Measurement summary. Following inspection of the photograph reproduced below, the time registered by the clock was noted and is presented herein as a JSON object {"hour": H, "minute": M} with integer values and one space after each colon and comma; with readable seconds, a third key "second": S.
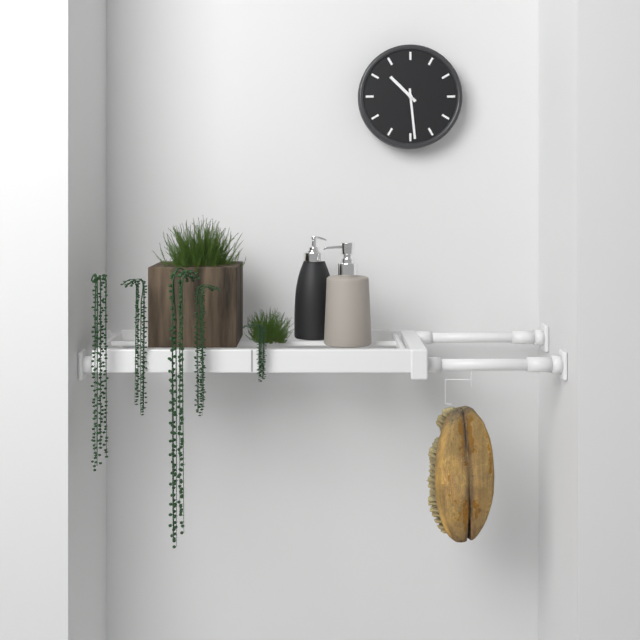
{"hour": 10, "minute": 29}
